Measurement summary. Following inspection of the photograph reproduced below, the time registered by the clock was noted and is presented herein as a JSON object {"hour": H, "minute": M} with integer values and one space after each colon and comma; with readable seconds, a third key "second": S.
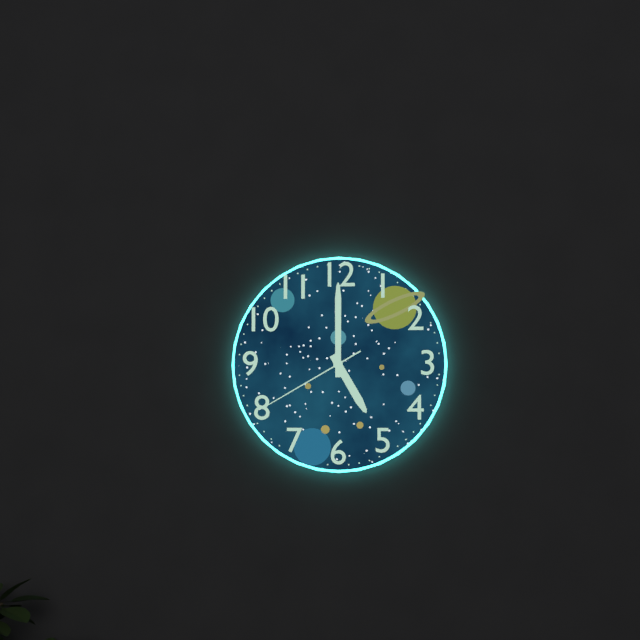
{"hour": 5, "minute": 0, "second": 40}
